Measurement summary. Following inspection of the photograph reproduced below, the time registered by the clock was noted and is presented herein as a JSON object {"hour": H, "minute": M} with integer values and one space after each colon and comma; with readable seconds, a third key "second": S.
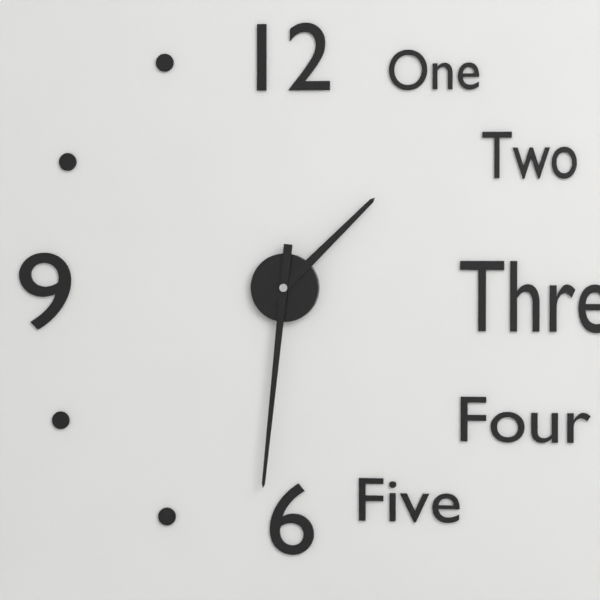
{"hour": 1, "minute": 31}
